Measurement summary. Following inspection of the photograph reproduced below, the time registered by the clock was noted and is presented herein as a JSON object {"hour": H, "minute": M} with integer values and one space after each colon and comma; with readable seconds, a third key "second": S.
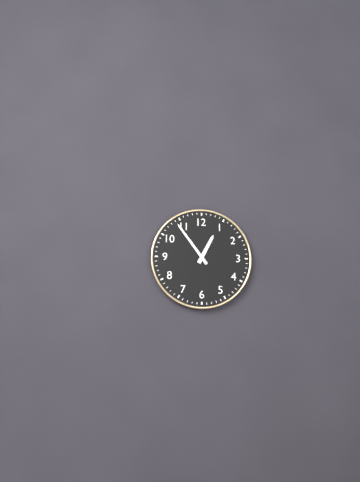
{"hour": 12, "minute": 54}
